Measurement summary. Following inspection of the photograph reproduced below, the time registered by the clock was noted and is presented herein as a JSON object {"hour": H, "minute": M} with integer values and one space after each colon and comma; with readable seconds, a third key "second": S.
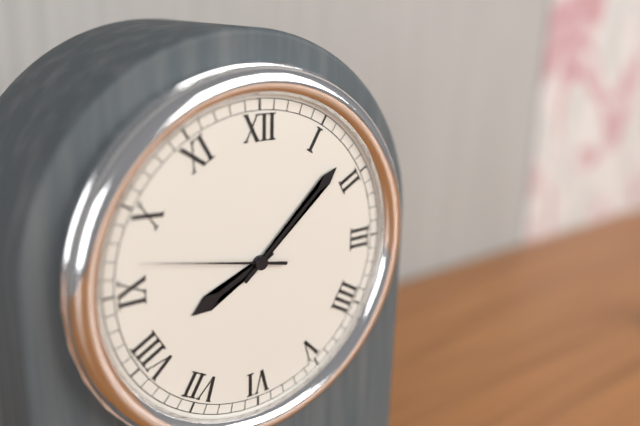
{"hour": 8, "minute": 8, "second": 47}
